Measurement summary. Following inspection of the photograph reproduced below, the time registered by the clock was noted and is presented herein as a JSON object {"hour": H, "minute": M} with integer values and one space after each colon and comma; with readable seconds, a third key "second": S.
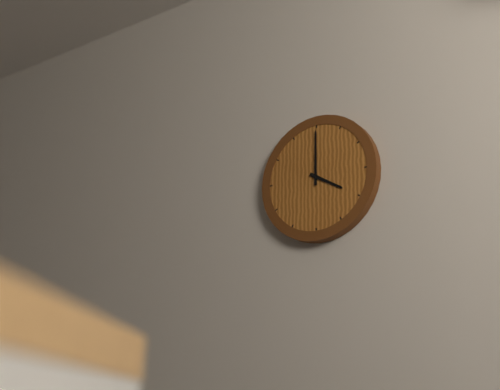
{"hour": 4, "minute": 0}
